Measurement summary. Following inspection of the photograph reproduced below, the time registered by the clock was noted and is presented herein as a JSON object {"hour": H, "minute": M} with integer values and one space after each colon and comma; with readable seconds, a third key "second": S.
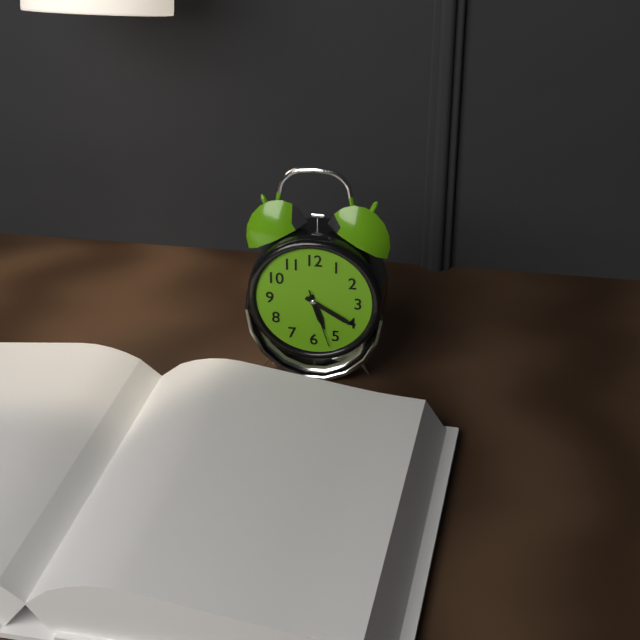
{"hour": 5, "minute": 20, "second": 27}
